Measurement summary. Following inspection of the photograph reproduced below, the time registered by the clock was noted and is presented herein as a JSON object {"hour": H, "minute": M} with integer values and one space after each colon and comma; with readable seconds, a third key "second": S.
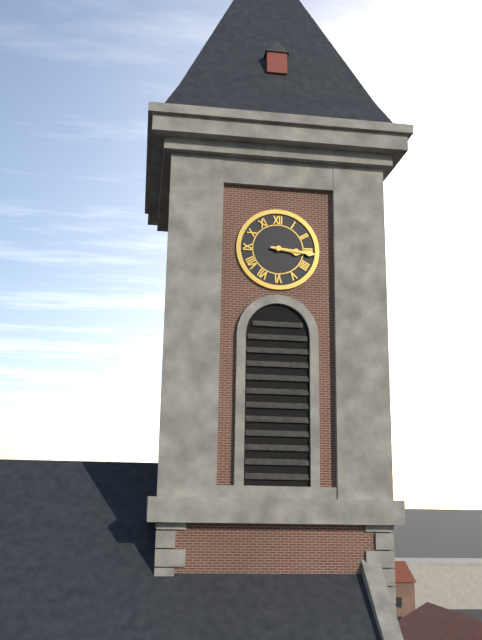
{"hour": 3, "minute": 16}
